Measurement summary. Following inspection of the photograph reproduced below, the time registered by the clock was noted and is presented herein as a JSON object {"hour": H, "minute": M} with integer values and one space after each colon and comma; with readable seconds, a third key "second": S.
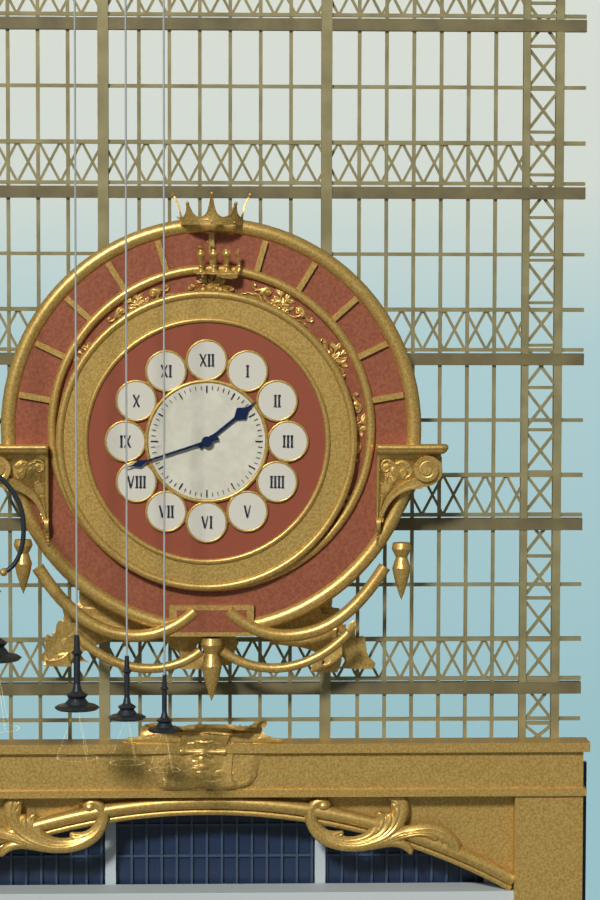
{"hour": 1, "minute": 42}
